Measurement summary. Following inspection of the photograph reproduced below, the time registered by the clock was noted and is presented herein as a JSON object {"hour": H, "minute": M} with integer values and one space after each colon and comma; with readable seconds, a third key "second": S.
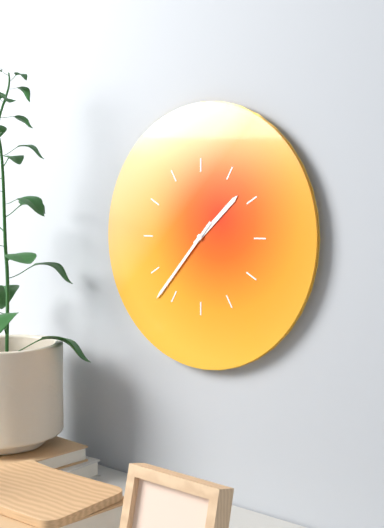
{"hour": 1, "minute": 37}
